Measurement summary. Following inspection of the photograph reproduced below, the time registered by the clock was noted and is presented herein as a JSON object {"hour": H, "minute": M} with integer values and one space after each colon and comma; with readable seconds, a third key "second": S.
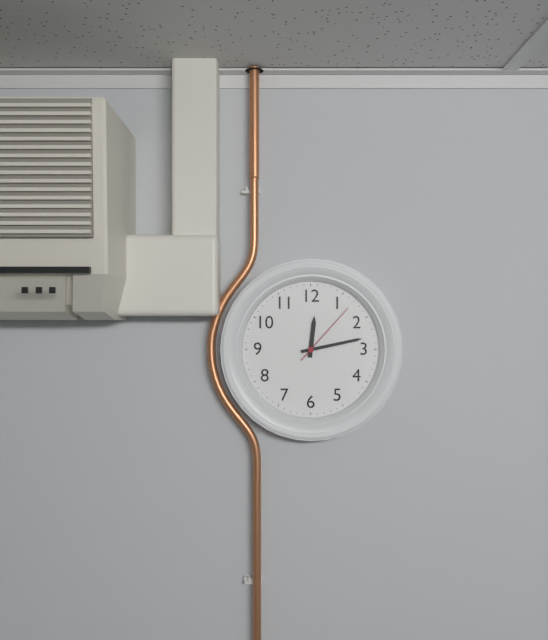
{"hour": 12, "minute": 13, "second": 7}
